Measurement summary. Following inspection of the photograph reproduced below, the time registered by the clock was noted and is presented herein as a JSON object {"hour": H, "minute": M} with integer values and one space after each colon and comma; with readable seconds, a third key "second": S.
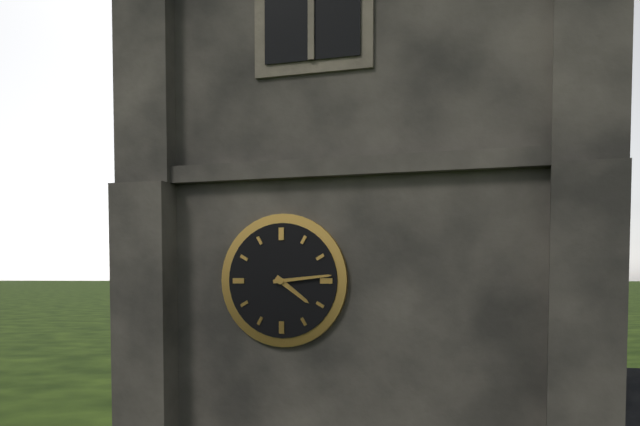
{"hour": 4, "minute": 14}
